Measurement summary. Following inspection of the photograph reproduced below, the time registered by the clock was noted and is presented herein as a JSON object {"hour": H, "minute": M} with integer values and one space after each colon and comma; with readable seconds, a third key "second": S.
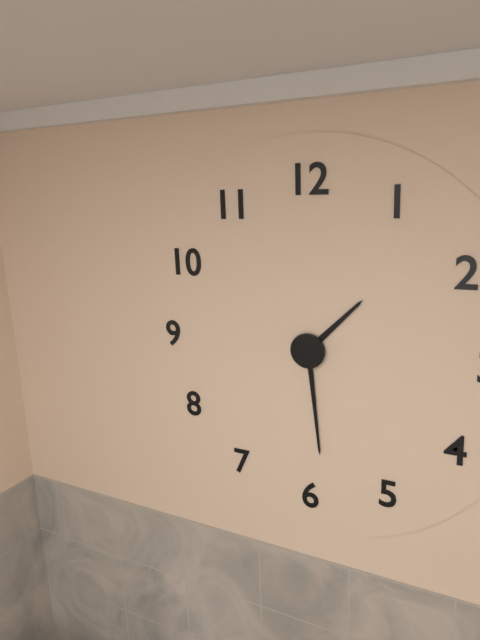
{"hour": 1, "minute": 29}
